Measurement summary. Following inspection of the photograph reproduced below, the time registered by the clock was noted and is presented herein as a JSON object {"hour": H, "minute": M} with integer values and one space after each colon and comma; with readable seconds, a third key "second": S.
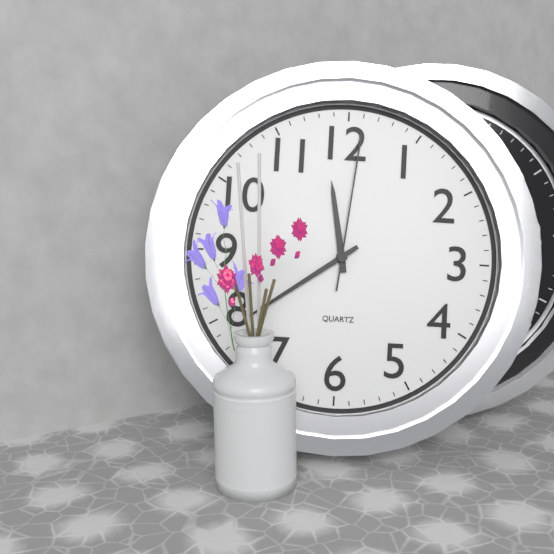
{"hour": 11, "minute": 39, "second": 1}
